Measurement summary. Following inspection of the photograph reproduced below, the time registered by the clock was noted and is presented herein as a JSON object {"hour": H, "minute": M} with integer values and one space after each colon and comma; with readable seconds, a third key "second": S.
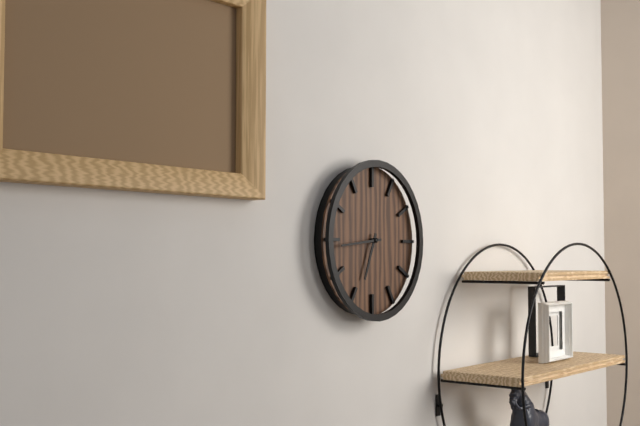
{"hour": 6, "minute": 44}
